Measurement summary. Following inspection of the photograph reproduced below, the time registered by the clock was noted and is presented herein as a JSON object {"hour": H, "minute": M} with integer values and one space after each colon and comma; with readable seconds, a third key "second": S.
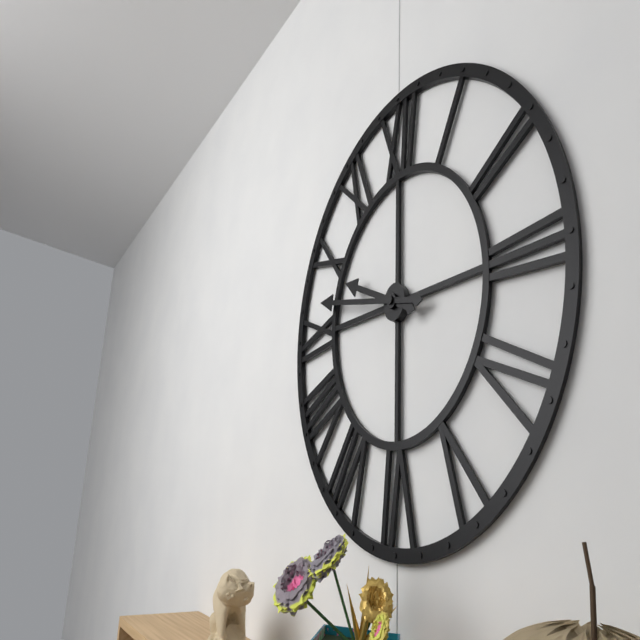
{"hour": 9, "minute": 47}
